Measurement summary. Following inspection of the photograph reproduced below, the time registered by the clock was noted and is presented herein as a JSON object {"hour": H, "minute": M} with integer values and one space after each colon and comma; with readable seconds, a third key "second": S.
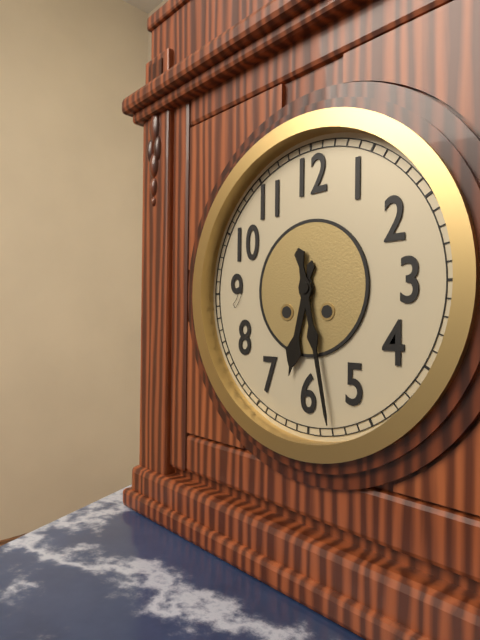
{"hour": 6, "minute": 28}
